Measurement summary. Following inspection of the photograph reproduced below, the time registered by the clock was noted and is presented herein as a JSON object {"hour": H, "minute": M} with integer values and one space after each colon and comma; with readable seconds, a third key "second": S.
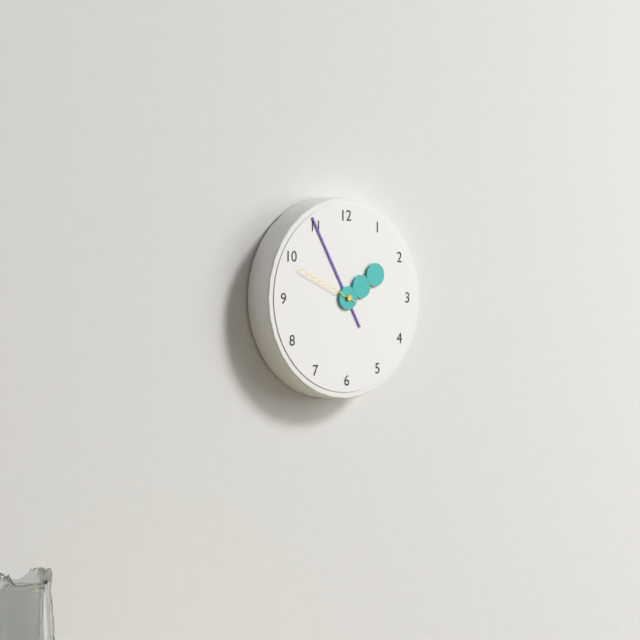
{"hour": 1, "minute": 55, "second": 49}
